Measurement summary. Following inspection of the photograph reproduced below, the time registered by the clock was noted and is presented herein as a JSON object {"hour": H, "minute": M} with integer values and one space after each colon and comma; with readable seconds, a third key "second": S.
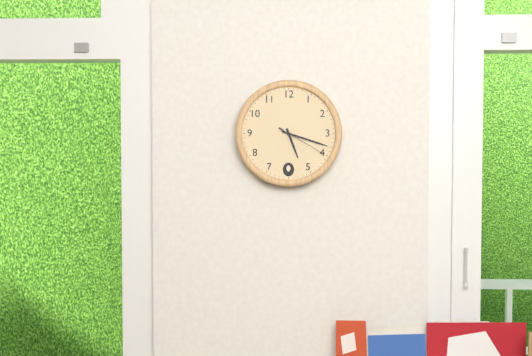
{"hour": 5, "minute": 18, "second": 20}
